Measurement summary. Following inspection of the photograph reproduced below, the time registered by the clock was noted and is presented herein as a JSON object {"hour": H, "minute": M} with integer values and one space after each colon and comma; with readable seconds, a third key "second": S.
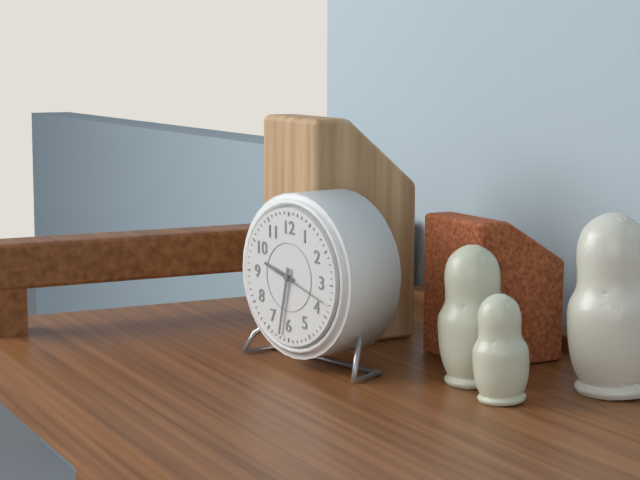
{"hour": 9, "minute": 32, "second": 18}
